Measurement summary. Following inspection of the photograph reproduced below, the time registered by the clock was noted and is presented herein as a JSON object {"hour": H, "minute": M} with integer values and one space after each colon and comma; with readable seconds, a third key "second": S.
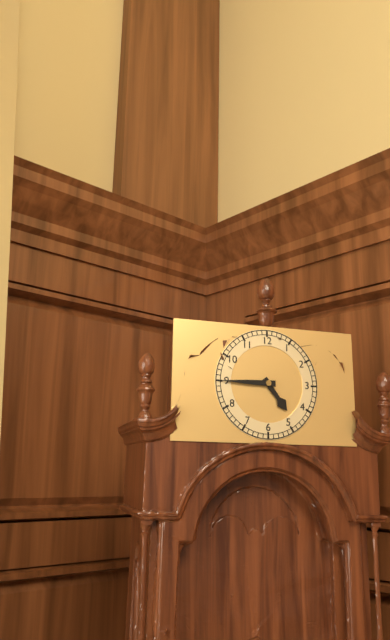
{"hour": 4, "minute": 45}
